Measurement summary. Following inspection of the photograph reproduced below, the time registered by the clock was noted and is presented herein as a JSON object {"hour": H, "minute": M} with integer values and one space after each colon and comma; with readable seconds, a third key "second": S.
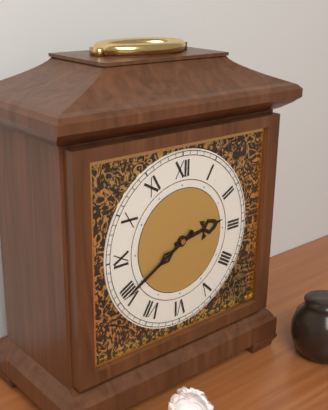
{"hour": 2, "minute": 40}
